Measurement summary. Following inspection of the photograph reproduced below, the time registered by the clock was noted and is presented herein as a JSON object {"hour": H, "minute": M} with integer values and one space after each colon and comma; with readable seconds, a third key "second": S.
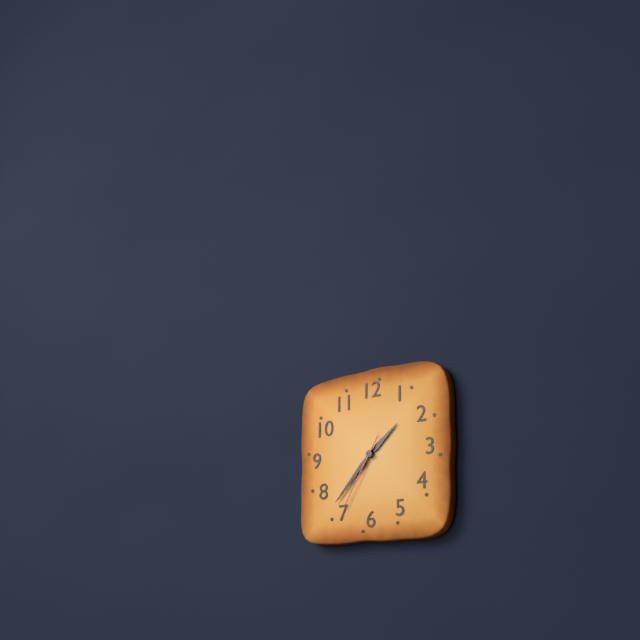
{"hour": 1, "minute": 37, "second": 35}
